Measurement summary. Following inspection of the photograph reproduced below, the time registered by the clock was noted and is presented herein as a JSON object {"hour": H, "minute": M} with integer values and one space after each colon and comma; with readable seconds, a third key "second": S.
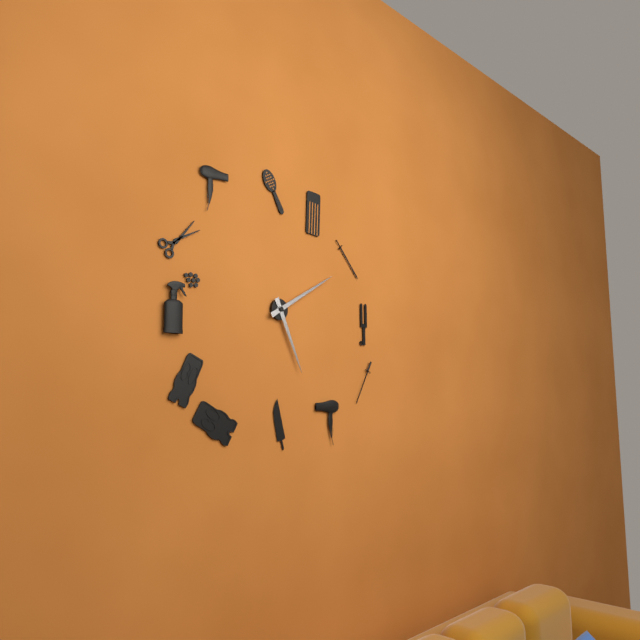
{"hour": 5, "minute": 10}
